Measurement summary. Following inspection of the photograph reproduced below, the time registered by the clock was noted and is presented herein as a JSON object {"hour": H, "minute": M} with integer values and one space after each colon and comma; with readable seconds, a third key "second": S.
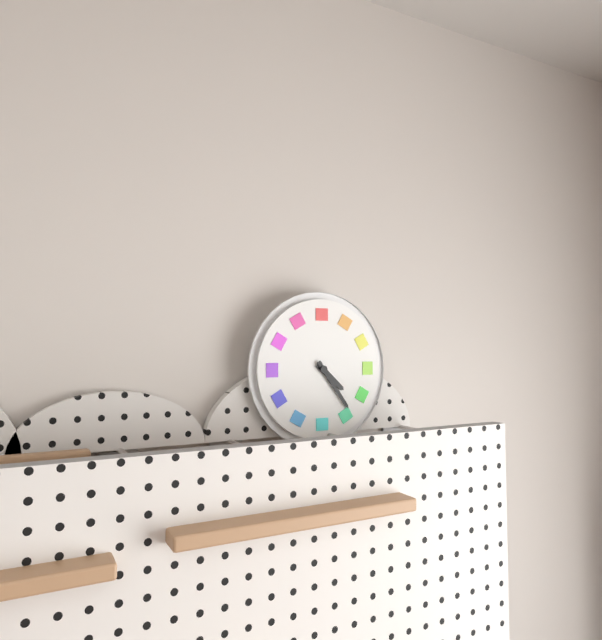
{"hour": 4, "minute": 24}
